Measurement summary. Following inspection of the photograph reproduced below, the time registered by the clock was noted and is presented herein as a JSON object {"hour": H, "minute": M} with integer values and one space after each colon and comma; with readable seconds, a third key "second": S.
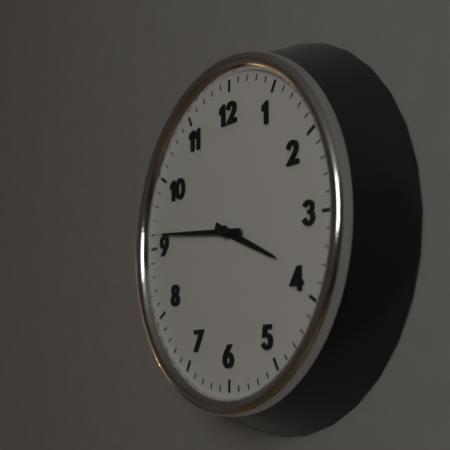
{"hour": 3, "minute": 46}
